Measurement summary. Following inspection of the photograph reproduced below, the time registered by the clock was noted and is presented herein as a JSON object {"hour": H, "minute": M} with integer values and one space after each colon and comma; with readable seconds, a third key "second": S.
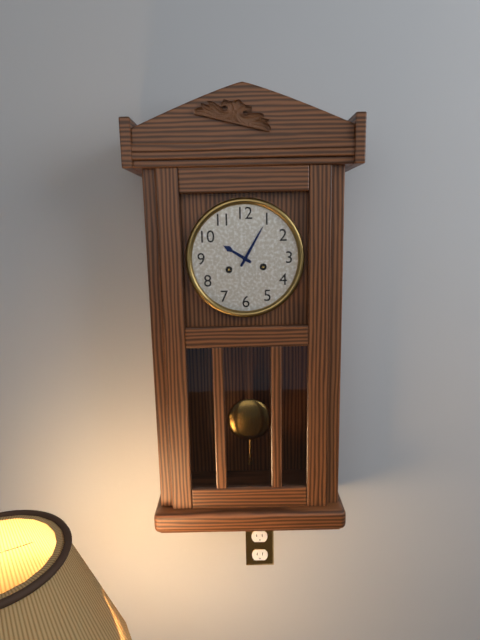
{"hour": 10, "minute": 5}
